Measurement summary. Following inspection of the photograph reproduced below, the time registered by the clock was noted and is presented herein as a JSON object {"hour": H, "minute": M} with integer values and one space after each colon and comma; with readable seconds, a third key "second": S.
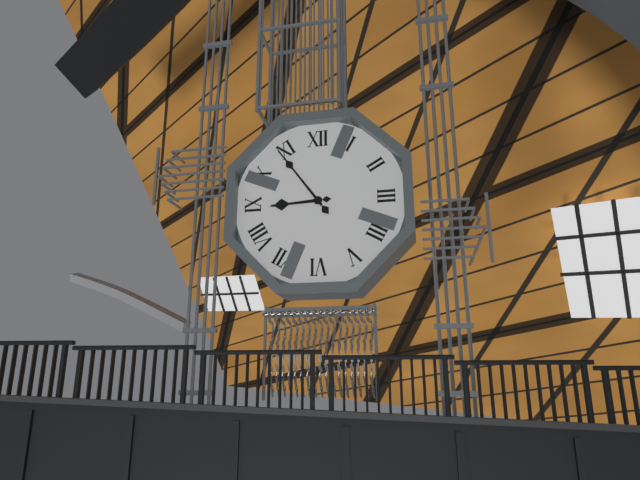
{"hour": 8, "minute": 54}
